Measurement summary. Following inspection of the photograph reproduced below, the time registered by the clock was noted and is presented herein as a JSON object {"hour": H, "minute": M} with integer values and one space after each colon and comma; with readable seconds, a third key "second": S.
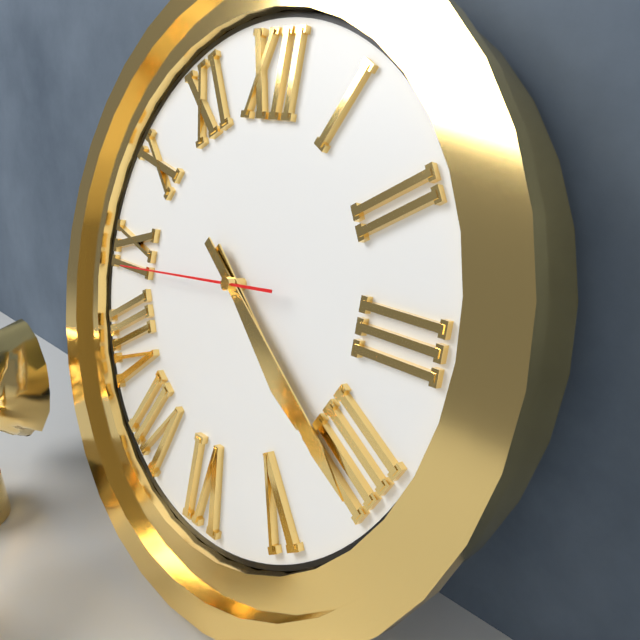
{"hour": 4, "minute": 21, "second": 44}
